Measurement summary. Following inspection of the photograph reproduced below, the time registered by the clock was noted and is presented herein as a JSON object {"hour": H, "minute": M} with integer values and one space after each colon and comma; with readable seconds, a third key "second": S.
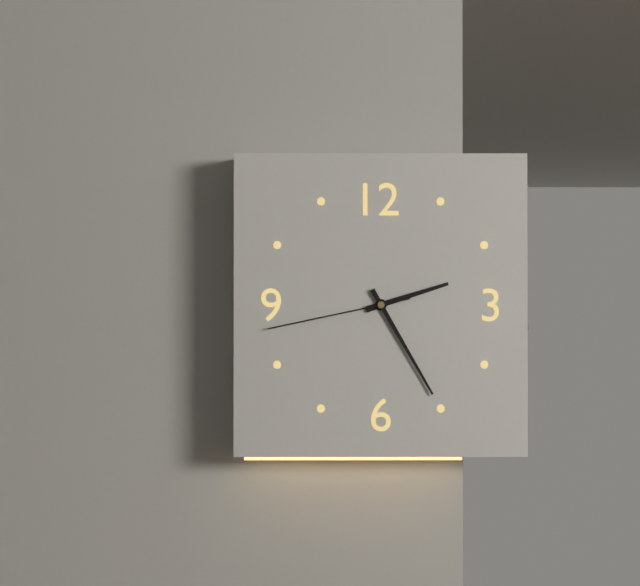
{"hour": 2, "minute": 25, "second": 43}
